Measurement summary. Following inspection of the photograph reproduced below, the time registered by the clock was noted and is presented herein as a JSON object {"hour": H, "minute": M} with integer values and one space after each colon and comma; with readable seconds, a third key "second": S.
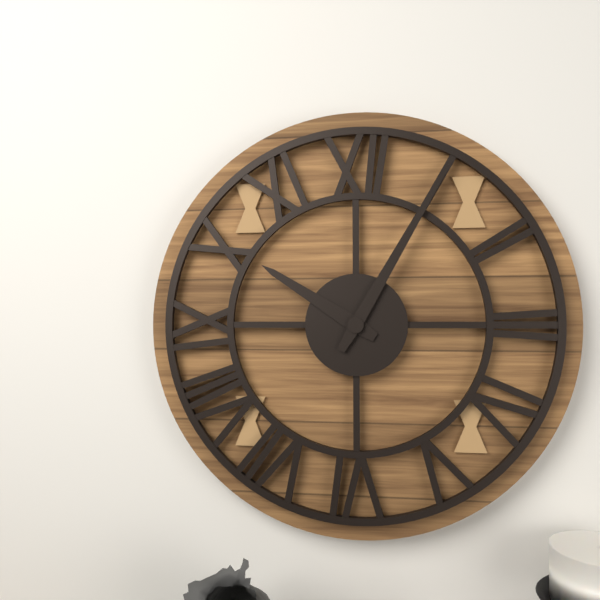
{"hour": 10, "minute": 5}
